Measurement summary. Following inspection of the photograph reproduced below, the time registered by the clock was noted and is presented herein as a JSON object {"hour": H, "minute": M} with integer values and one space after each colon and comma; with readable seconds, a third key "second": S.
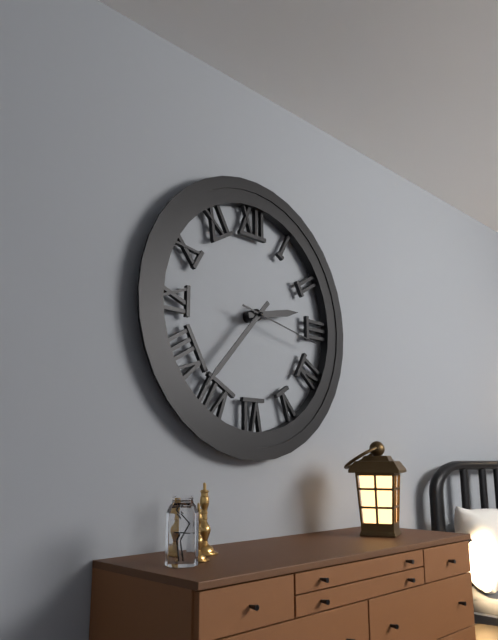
{"hour": 2, "minute": 37, "second": 17}
